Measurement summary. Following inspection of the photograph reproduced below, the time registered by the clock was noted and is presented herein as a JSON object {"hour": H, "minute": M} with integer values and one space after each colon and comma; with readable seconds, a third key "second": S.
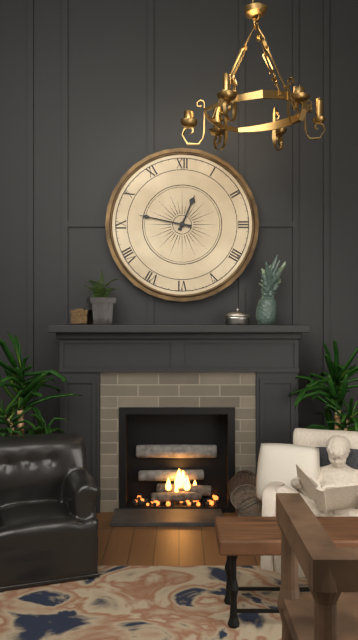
{"hour": 12, "minute": 47}
